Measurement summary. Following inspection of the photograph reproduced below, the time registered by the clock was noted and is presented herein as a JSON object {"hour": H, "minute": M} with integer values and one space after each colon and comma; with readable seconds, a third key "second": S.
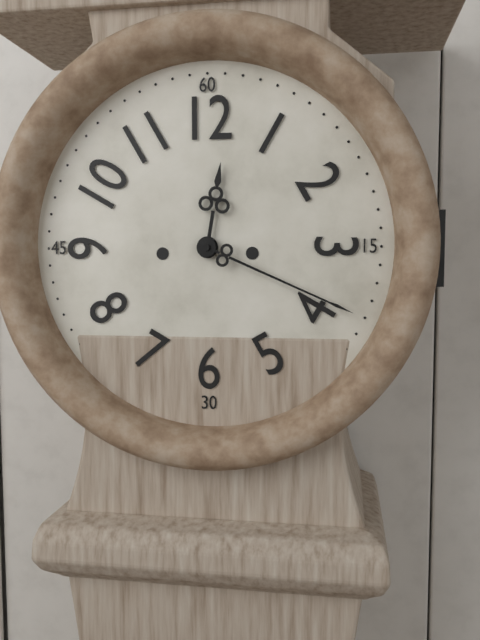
{"hour": 12, "minute": 19}
